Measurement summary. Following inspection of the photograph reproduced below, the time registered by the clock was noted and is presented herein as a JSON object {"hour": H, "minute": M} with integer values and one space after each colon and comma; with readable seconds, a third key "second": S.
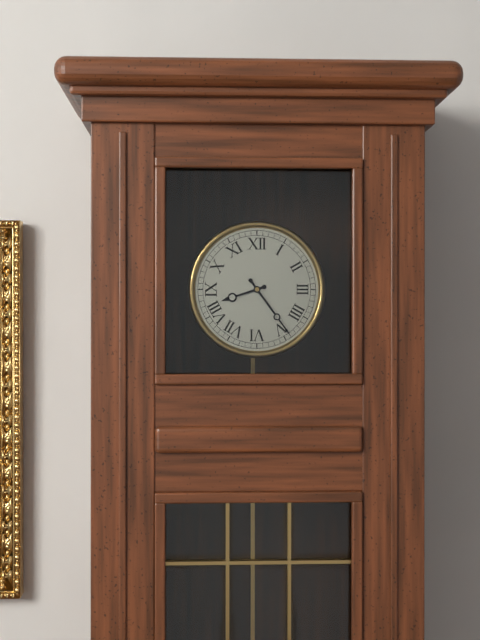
{"hour": 8, "minute": 24}
